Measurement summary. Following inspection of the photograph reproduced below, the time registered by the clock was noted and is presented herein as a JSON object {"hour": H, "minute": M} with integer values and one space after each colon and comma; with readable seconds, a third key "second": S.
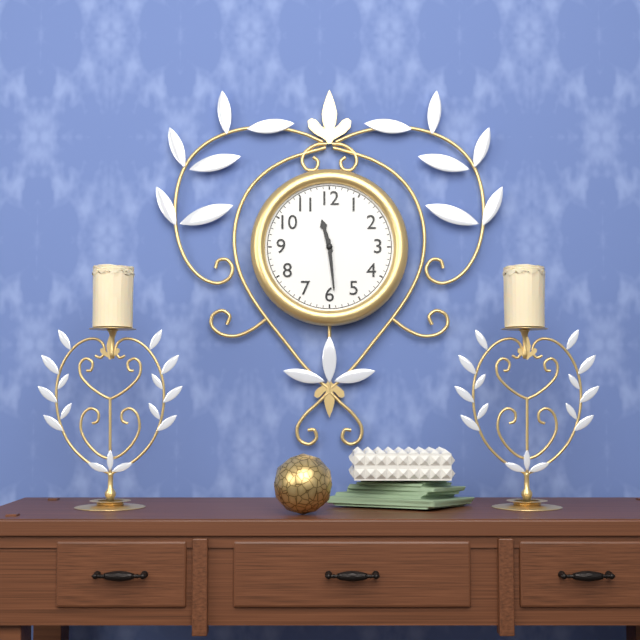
{"hour": 11, "minute": 29}
